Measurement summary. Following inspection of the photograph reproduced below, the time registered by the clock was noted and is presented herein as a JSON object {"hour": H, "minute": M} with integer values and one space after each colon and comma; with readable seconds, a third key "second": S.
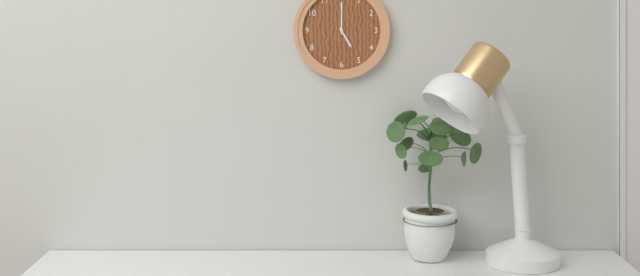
{"hour": 5, "minute": 0}
